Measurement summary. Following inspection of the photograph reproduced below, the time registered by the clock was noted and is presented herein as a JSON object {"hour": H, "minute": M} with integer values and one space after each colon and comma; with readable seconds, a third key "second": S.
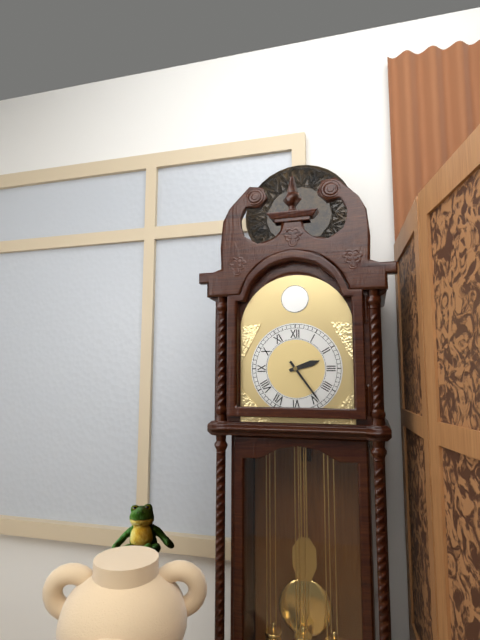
{"hour": 2, "minute": 24}
